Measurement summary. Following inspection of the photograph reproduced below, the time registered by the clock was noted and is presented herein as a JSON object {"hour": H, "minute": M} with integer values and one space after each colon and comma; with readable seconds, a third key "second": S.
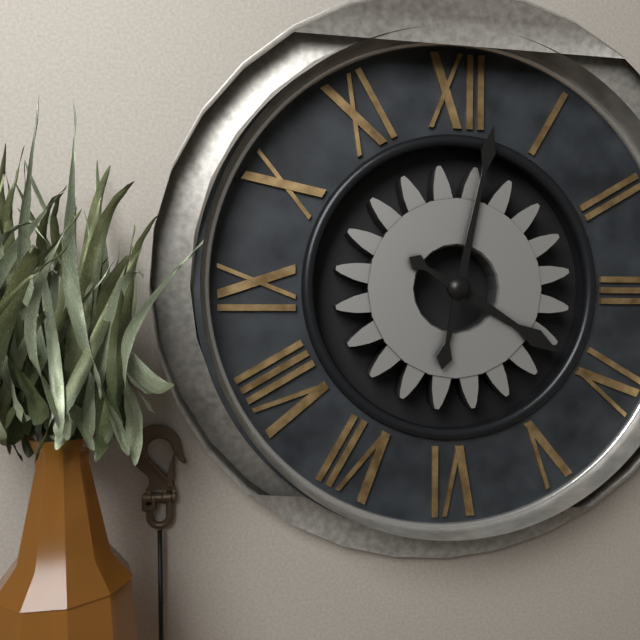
{"hour": 4, "minute": 2}
